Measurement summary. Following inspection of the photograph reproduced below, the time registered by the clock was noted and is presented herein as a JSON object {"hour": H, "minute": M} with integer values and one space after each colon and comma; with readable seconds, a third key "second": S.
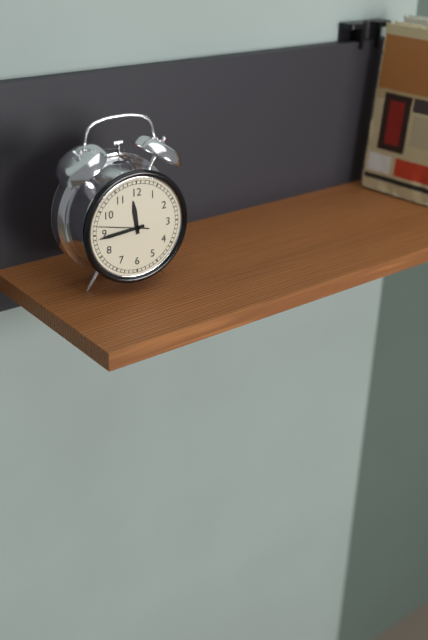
{"hour": 11, "minute": 44, "second": 47}
